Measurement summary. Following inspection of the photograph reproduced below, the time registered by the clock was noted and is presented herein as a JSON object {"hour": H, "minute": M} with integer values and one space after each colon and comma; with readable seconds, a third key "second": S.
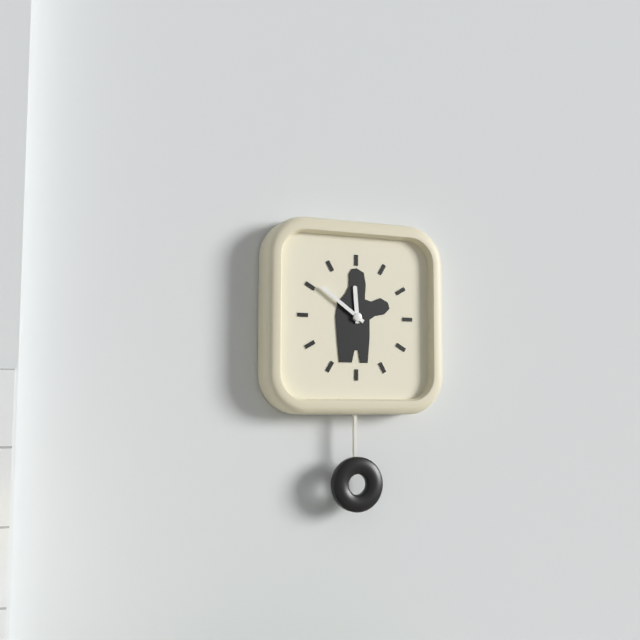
{"hour": 11, "minute": 51}
